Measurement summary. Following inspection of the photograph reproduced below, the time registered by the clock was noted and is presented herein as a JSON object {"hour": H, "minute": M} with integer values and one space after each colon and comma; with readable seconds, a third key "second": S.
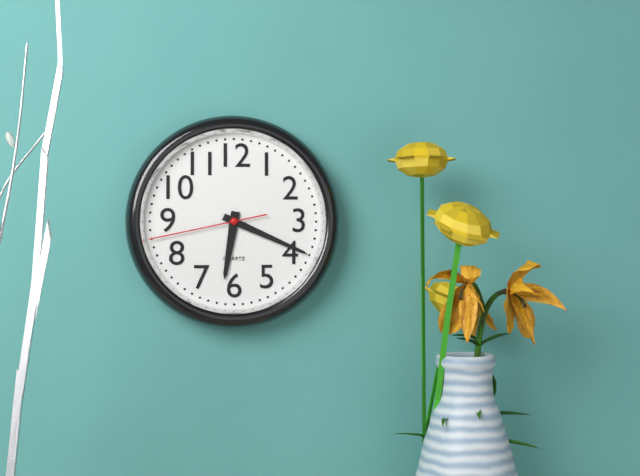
{"hour": 6, "minute": 19, "second": 43}
